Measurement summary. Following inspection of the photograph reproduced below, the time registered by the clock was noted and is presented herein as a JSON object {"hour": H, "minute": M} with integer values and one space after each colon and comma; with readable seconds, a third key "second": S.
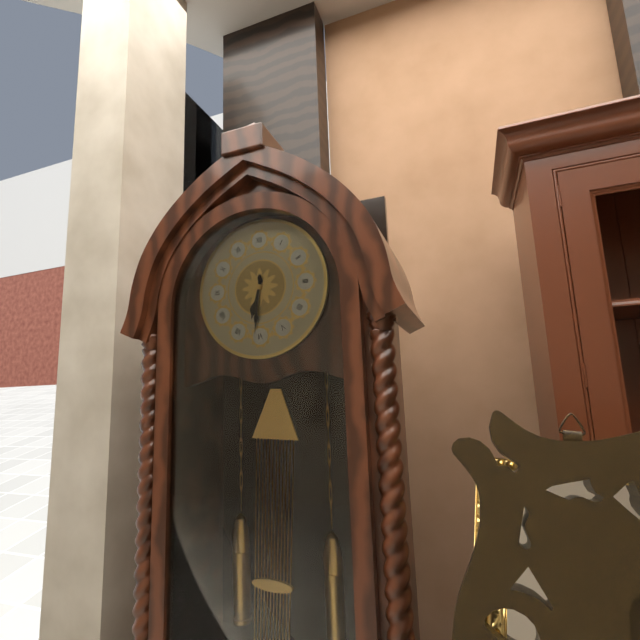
{"hour": 6, "minute": 31}
